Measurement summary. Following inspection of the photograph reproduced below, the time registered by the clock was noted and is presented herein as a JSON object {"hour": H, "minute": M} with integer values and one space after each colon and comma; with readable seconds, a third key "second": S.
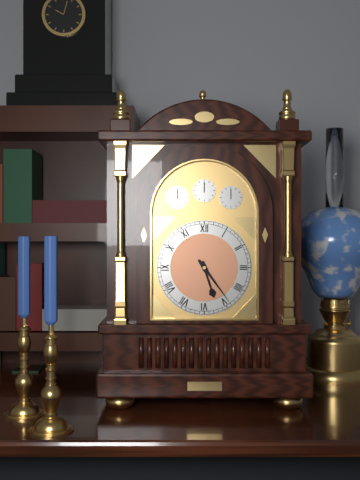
{"hour": 5, "minute": 24}
